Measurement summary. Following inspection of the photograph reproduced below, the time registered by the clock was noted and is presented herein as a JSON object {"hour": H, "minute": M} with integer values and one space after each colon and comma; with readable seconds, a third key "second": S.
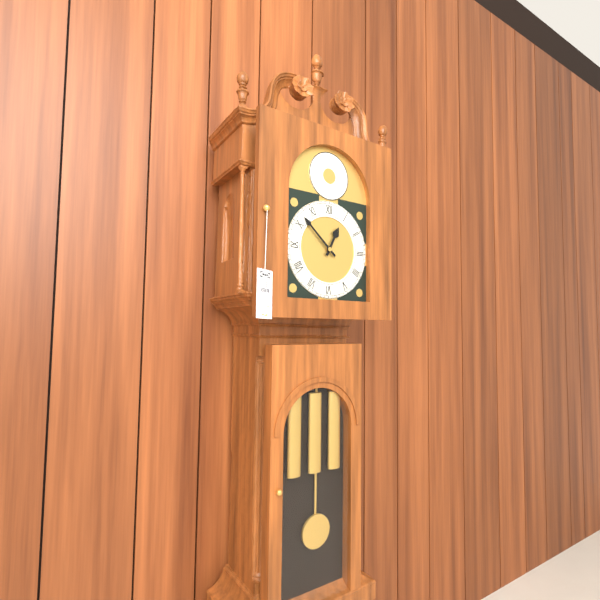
{"hour": 12, "minute": 52}
